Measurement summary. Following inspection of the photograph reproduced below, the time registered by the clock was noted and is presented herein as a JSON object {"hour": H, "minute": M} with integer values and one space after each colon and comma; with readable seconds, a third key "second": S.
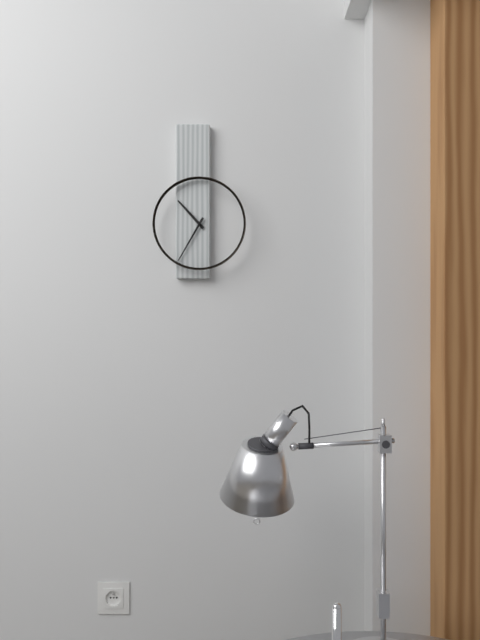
{"hour": 10, "minute": 35}
